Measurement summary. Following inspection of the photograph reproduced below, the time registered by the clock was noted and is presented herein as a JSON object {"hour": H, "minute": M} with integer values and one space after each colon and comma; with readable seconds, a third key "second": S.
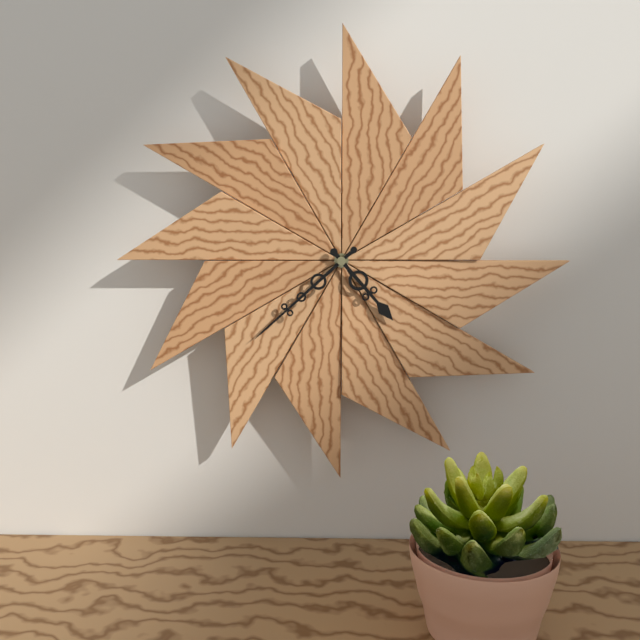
{"hour": 4, "minute": 38}
